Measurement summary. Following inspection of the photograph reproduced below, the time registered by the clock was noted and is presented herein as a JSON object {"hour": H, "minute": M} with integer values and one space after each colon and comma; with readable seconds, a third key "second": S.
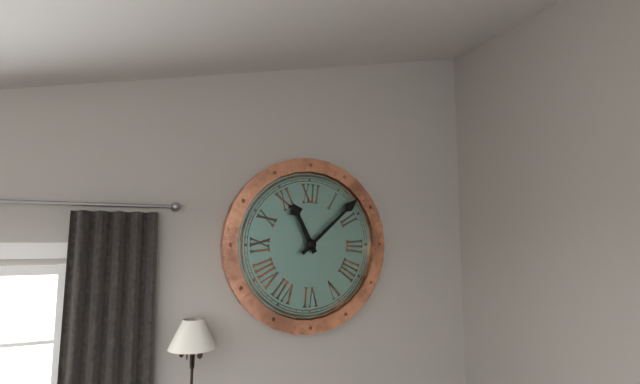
{"hour": 11, "minute": 8}
